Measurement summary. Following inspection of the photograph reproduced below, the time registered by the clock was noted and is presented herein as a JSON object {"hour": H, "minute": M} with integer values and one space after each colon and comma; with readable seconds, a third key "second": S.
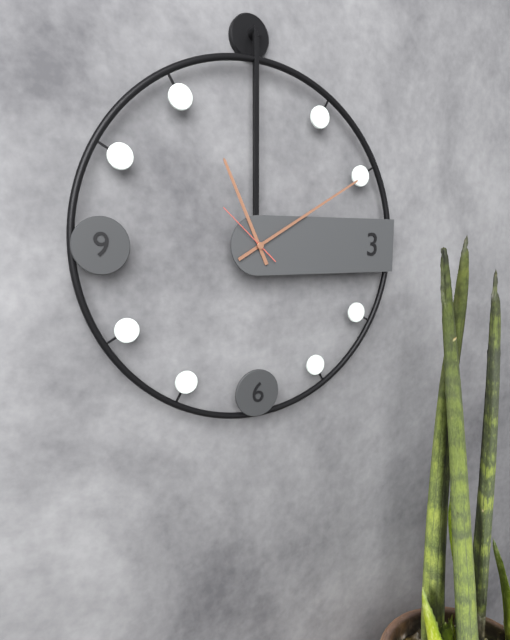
{"hour": 11, "minute": 10, "second": 52}
